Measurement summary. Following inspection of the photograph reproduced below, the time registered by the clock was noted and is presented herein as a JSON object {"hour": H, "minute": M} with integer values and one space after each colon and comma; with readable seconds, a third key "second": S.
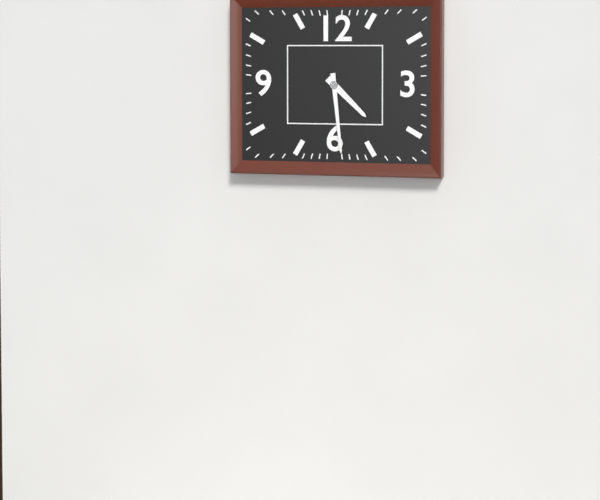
{"hour": 4, "minute": 29}
